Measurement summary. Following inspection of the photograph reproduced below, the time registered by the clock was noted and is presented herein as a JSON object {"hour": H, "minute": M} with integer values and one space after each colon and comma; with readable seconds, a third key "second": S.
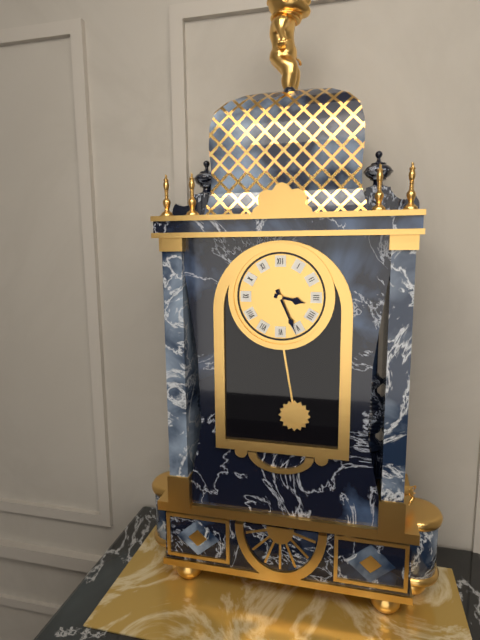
{"hour": 3, "minute": 26}
